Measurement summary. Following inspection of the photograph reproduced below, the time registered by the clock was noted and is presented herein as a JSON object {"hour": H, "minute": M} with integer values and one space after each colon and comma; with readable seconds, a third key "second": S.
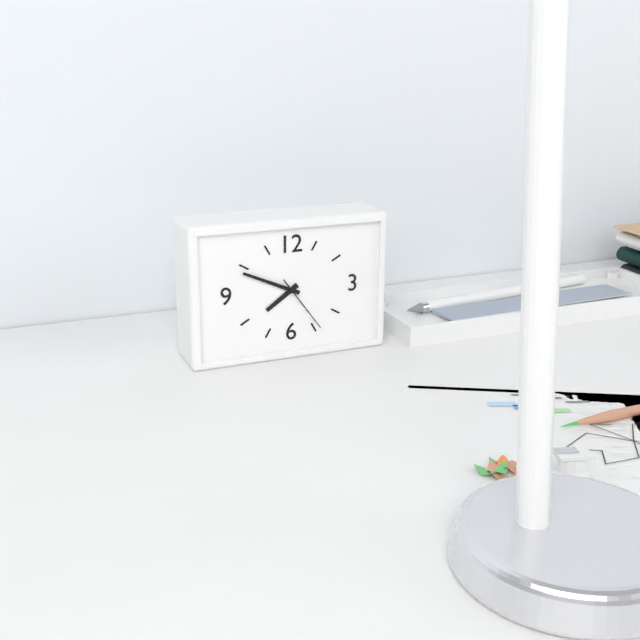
{"hour": 7, "minute": 49, "second": 24}
